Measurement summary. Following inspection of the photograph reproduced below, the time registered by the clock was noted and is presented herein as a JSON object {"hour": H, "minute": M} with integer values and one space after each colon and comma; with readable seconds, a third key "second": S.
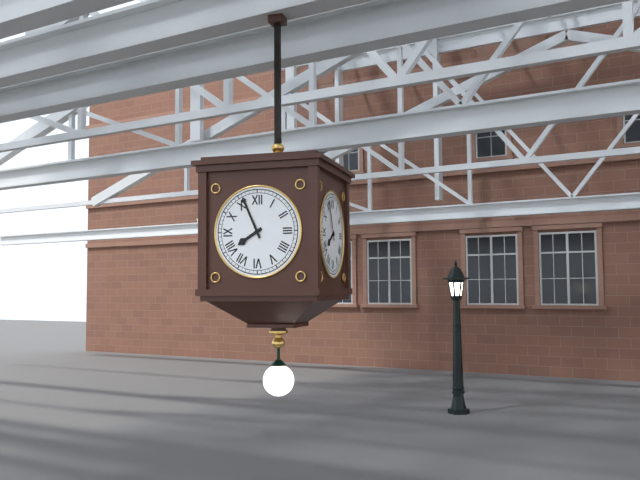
{"hour": 7, "minute": 56}
